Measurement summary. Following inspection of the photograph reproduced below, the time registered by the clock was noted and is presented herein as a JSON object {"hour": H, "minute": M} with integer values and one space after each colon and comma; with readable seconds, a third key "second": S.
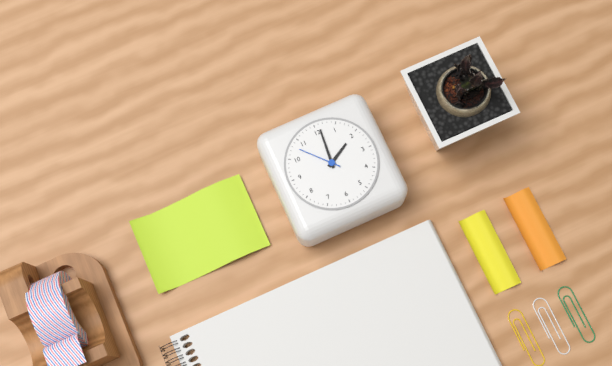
{"hour": 2, "minute": 1}
